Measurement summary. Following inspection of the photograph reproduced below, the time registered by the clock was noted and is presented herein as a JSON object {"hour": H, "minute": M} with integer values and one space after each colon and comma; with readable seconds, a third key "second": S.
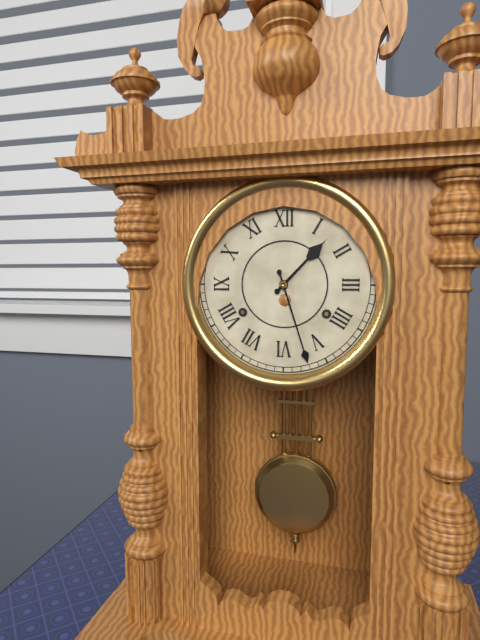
{"hour": 1, "minute": 27}
